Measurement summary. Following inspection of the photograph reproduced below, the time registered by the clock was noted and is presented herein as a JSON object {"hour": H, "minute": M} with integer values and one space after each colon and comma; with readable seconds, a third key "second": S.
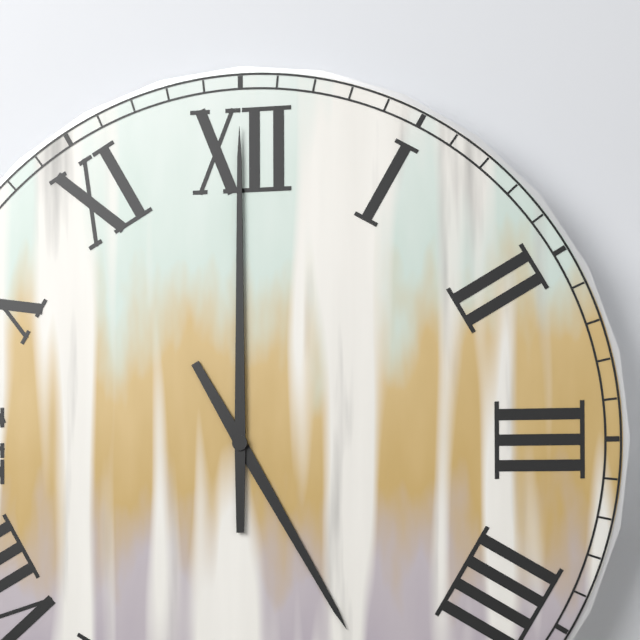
{"hour": 5, "minute": 0}
